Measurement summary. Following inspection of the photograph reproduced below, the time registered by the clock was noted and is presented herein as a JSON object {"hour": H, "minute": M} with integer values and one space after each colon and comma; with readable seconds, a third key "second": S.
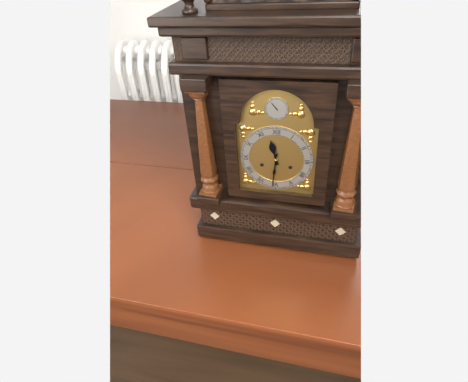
{"hour": 11, "minute": 31}
